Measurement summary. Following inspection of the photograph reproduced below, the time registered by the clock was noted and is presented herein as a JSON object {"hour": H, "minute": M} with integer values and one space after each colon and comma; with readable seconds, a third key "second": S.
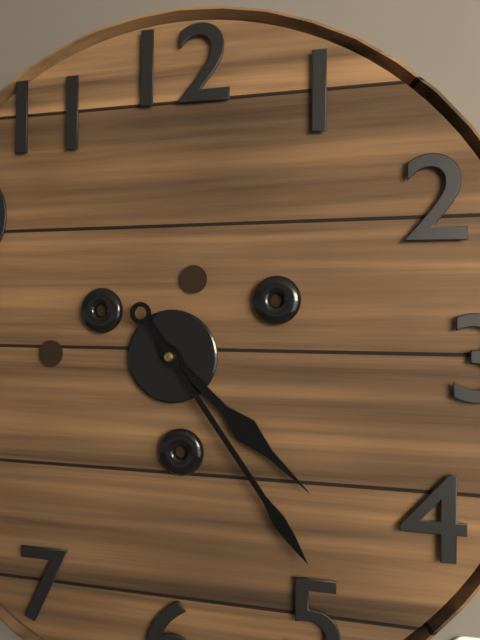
{"hour": 4, "minute": 24}
